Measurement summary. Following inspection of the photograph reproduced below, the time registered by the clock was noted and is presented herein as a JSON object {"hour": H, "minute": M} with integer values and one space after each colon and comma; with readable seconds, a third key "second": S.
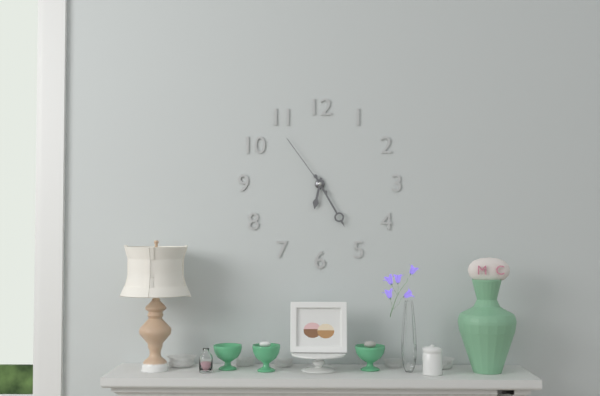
{"hour": 6, "minute": 25, "second": 54}
